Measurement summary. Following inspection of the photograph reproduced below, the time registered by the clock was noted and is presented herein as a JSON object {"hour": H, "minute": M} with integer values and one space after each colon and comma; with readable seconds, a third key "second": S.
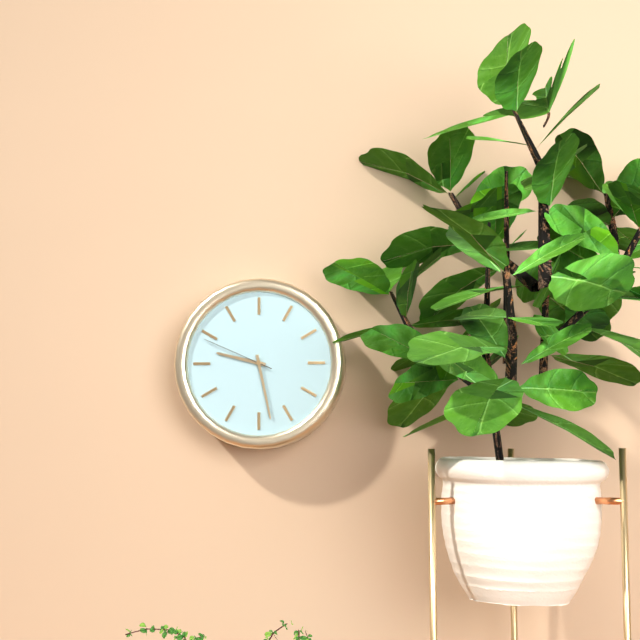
{"hour": 9, "minute": 28, "second": 49}
